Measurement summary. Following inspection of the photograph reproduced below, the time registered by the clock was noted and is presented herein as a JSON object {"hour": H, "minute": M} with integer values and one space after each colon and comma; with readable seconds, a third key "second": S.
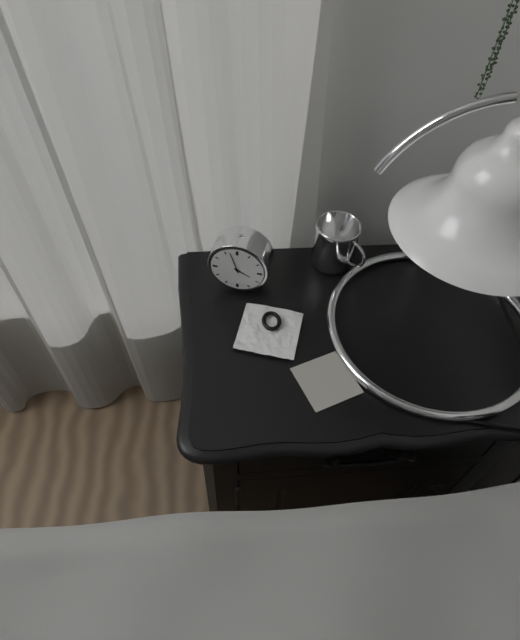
{"hour": 3, "minute": 57}
